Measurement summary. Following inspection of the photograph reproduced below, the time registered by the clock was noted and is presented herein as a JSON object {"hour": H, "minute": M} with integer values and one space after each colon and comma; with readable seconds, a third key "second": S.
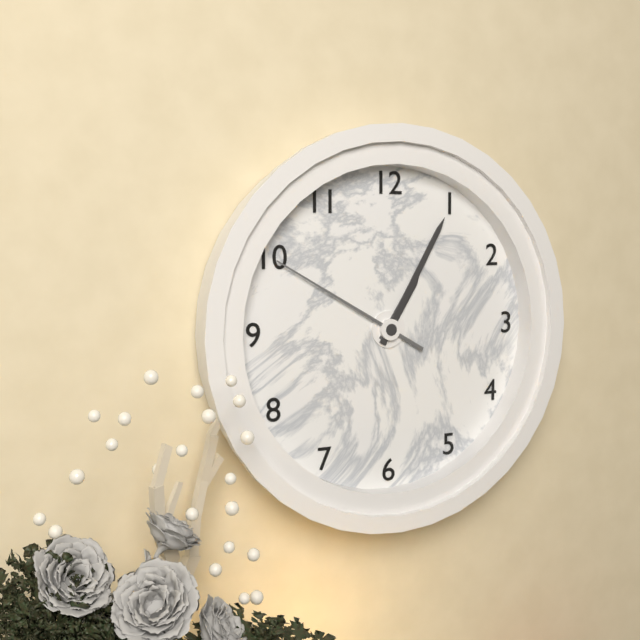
{"hour": 1, "minute": 5, "second": 50}
